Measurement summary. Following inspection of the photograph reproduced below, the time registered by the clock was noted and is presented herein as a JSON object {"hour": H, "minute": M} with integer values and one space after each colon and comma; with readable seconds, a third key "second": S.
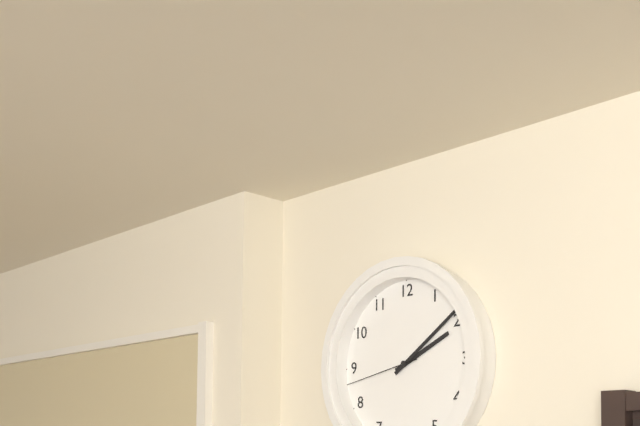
{"hour": 2, "minute": 9, "second": 43}
